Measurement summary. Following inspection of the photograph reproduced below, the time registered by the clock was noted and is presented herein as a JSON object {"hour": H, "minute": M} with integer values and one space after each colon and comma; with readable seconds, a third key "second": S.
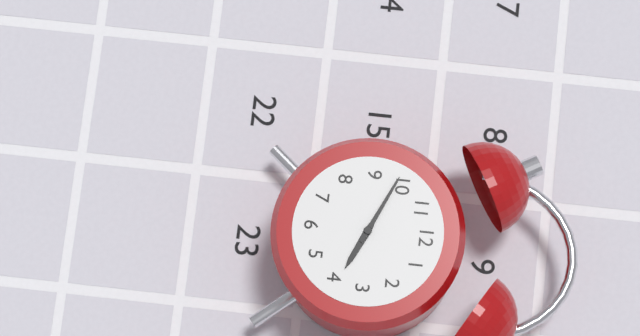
{"hour": 3, "minute": 49}
